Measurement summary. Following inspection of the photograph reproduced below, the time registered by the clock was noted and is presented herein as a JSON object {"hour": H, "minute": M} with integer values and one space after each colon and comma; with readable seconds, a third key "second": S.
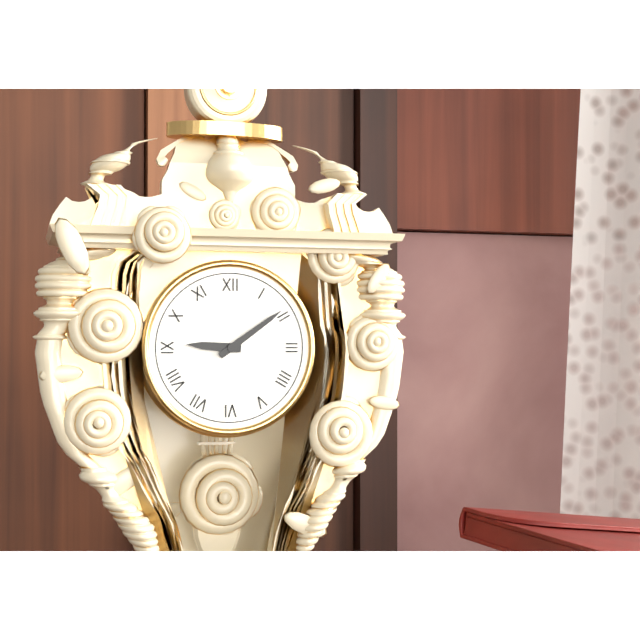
{"hour": 9, "minute": 9}
